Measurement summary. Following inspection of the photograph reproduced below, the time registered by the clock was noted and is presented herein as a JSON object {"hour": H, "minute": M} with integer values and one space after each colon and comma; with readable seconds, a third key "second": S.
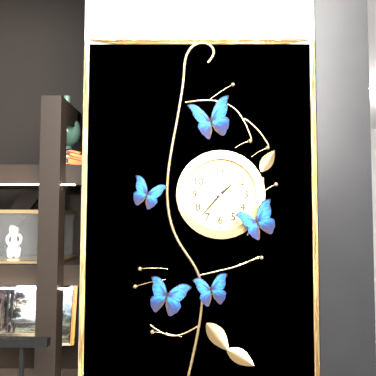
{"hour": 1, "minute": 37}
